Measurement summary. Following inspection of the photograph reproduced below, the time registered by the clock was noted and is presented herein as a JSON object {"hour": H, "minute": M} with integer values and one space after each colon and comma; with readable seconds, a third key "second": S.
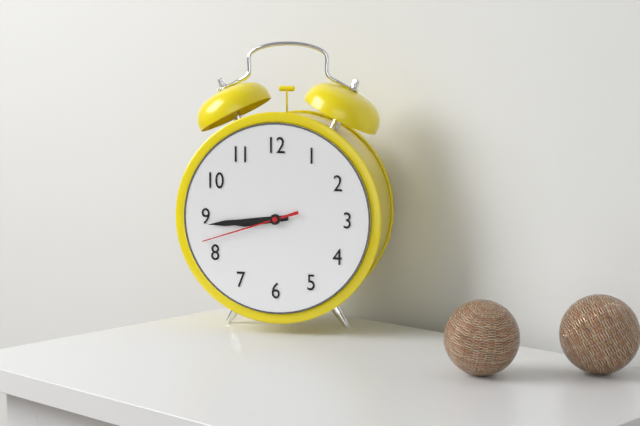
{"hour": 8, "minute": 44, "second": 42}
